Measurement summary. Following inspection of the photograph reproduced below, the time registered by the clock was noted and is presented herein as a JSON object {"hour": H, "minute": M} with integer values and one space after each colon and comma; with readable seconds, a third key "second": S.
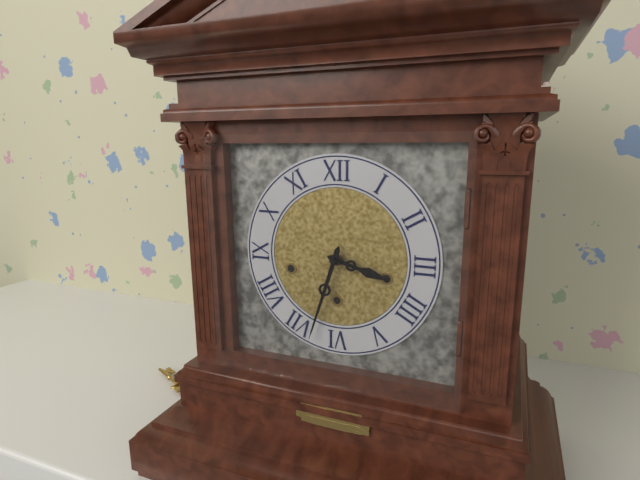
{"hour": 3, "minute": 33}
